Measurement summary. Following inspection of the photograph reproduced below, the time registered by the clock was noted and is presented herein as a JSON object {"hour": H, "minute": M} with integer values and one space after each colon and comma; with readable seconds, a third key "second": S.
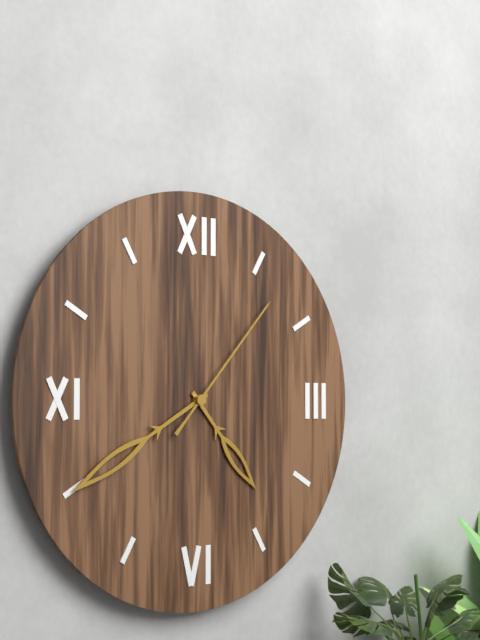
{"hour": 4, "minute": 40, "second": 7}
